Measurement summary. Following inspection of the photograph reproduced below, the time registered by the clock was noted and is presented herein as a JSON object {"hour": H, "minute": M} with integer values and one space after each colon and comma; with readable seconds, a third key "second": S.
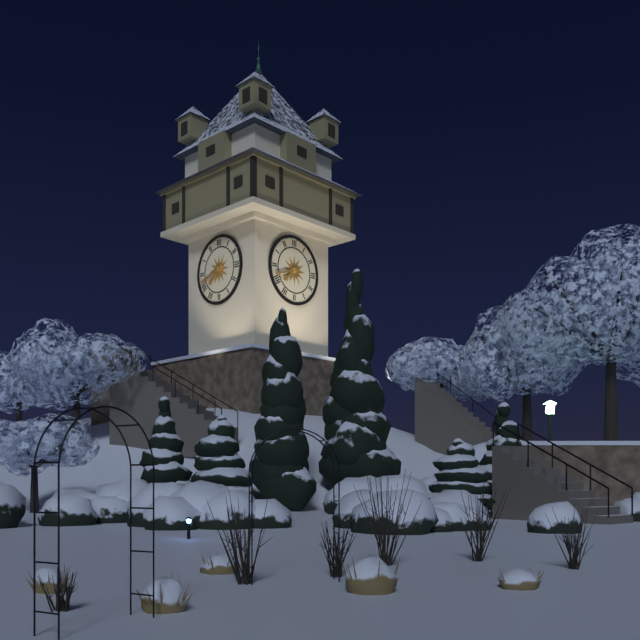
{"hour": 7, "minute": 42}
